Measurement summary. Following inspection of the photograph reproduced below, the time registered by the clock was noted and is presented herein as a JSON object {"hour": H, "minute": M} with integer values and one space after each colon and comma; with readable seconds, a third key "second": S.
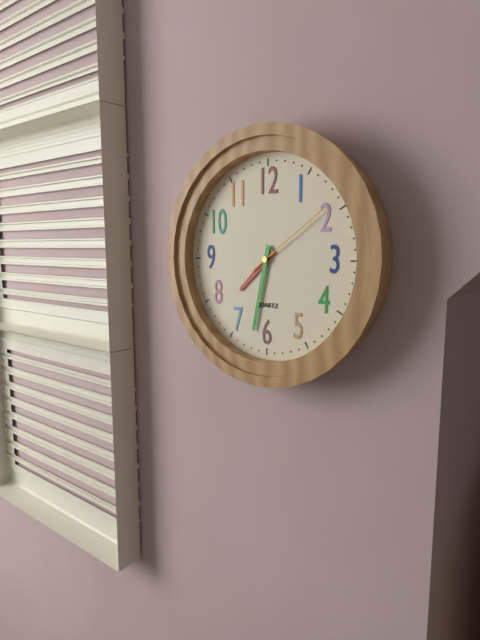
{"hour": 7, "minute": 32, "second": 9}
